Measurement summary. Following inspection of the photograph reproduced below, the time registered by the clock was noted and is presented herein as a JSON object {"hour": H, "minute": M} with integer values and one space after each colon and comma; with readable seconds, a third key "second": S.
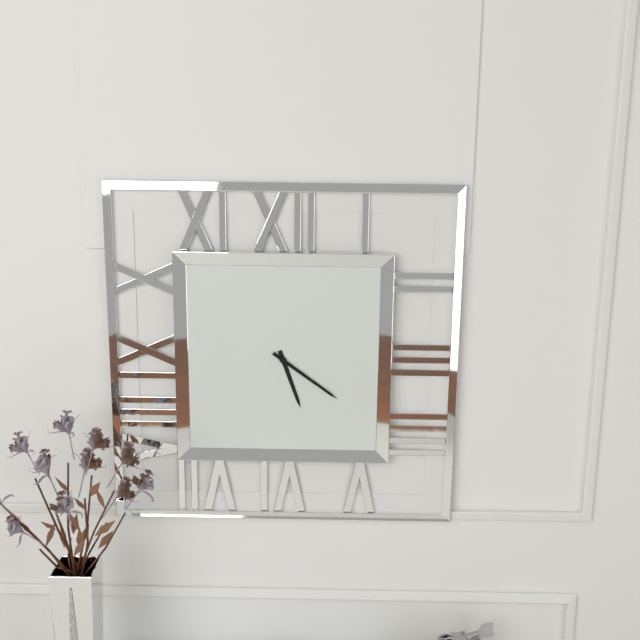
{"hour": 5, "minute": 21}
